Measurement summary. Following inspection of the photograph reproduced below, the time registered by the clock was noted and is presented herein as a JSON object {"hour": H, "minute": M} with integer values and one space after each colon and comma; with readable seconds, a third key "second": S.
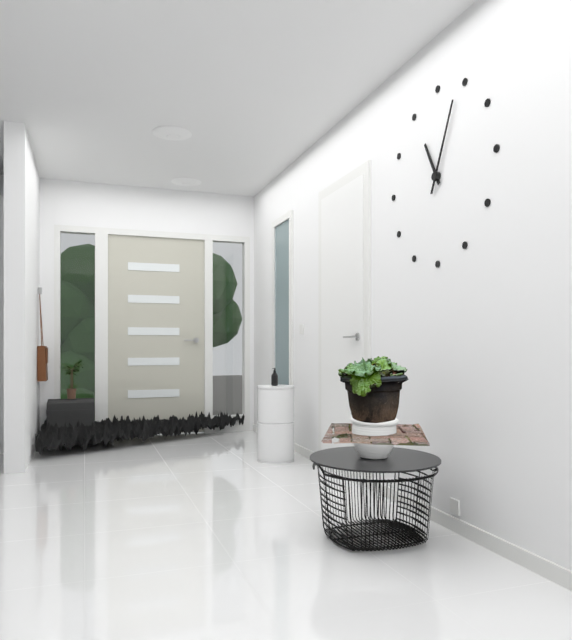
{"hour": 11, "minute": 4}
